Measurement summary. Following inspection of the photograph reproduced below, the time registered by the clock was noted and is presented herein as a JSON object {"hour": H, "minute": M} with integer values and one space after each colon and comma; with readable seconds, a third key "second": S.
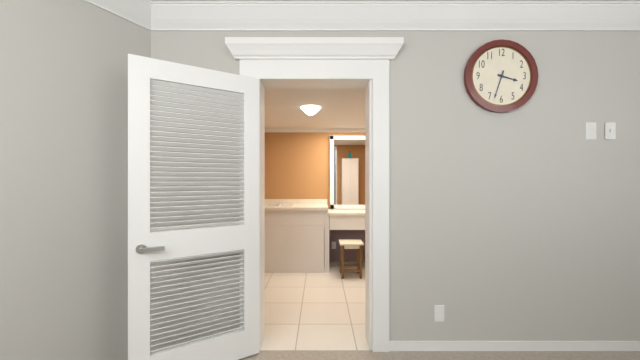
{"hour": 3, "minute": 33}
